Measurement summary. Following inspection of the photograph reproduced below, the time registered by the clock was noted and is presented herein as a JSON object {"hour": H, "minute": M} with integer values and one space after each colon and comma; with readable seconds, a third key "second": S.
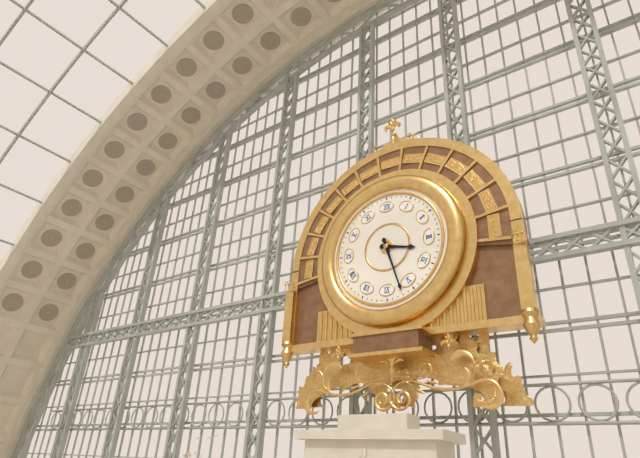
{"hour": 3, "minute": 27}
